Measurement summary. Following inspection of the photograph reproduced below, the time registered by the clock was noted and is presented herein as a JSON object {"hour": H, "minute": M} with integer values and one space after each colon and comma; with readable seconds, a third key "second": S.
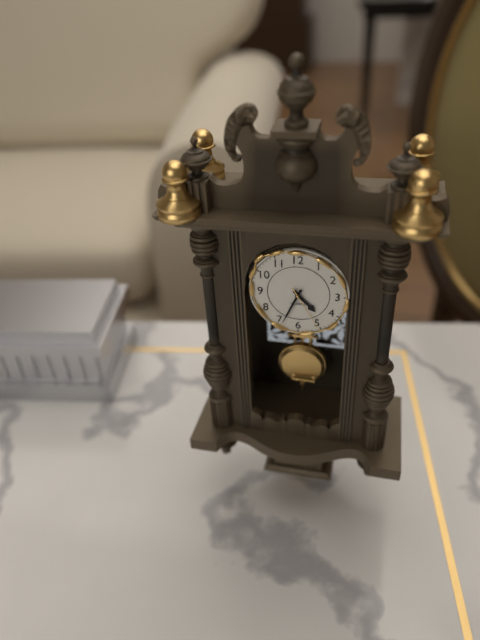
{"hour": 4, "minute": 34, "second": 25}
